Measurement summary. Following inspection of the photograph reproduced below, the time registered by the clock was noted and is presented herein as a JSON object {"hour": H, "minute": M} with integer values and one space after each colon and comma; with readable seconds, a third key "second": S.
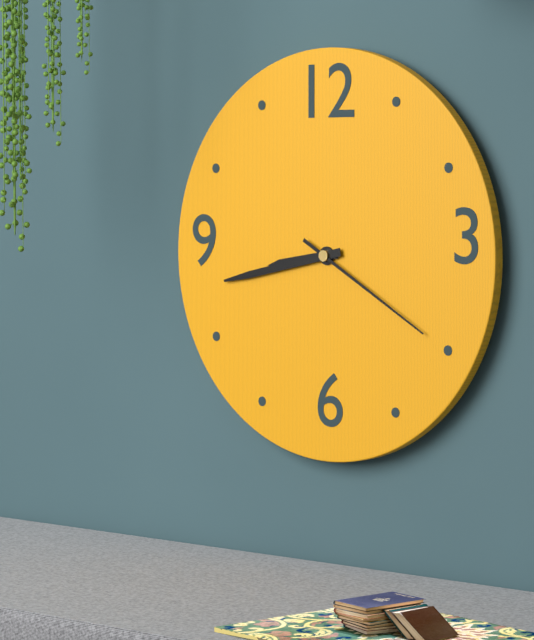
{"hour": 8, "minute": 43, "second": 20}
